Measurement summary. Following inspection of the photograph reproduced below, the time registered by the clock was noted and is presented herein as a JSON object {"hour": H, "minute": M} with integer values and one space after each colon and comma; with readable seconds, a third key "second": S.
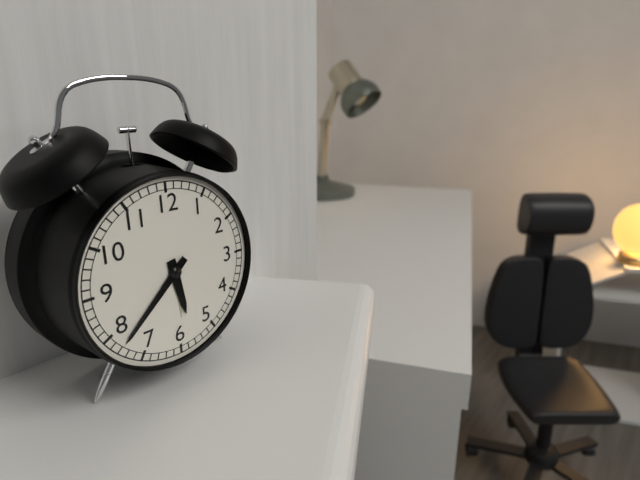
{"hour": 5, "minute": 38}
